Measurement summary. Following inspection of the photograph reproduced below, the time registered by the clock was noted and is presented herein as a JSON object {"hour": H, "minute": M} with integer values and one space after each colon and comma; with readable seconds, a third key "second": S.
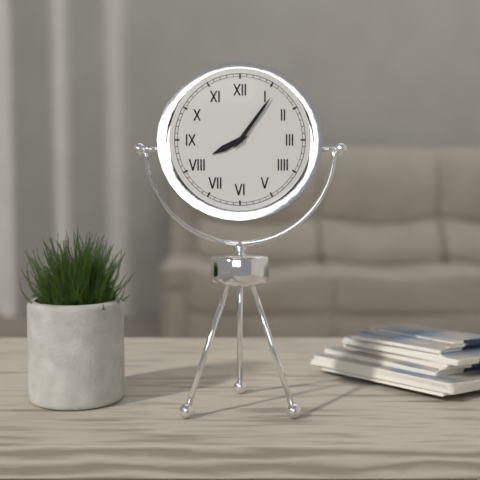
{"hour": 8, "minute": 6}
